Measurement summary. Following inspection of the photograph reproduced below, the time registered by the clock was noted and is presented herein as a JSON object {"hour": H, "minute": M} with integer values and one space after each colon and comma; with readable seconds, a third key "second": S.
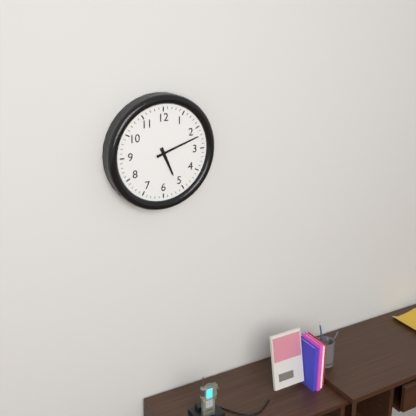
{"hour": 5, "minute": 12}
